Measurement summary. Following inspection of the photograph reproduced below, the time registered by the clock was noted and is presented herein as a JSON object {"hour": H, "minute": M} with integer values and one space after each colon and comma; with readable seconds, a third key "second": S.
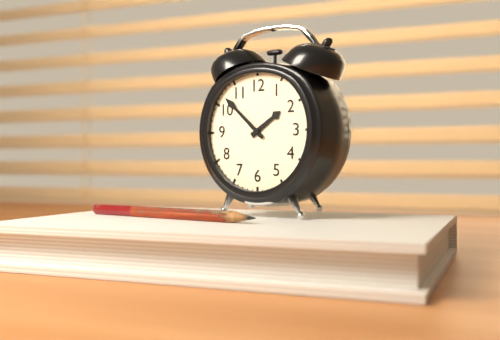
{"hour": 1, "minute": 52}
